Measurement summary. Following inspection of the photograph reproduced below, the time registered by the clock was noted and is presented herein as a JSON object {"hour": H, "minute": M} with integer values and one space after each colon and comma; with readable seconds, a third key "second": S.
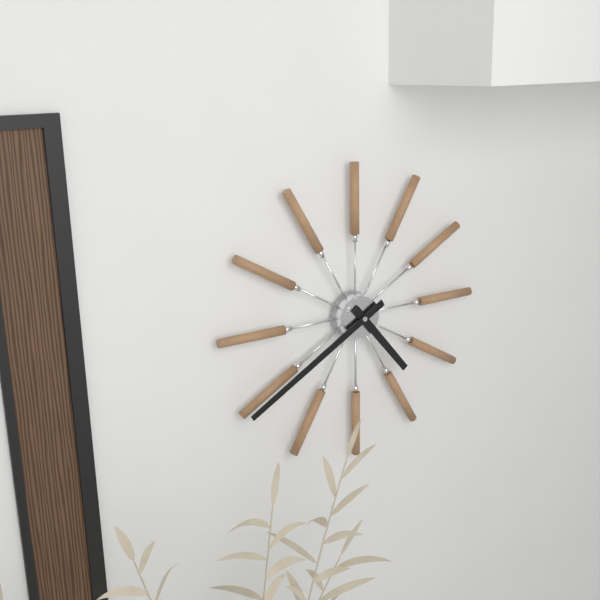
{"hour": 4, "minute": 40}
